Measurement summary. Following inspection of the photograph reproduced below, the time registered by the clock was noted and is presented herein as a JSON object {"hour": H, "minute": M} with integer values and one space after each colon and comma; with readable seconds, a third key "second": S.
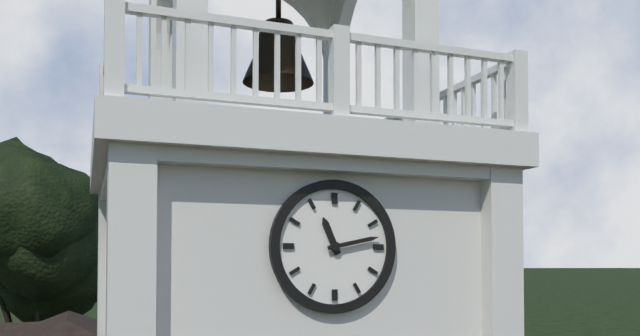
{"hour": 11, "minute": 13}
